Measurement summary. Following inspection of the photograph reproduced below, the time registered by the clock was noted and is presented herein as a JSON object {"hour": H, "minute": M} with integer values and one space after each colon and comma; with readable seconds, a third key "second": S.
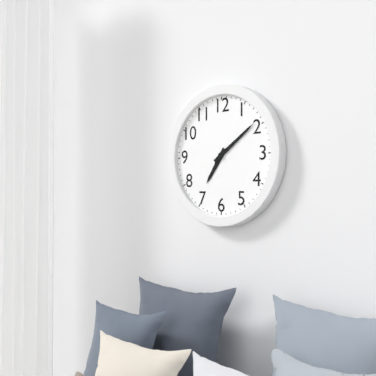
{"hour": 7, "minute": 9}
